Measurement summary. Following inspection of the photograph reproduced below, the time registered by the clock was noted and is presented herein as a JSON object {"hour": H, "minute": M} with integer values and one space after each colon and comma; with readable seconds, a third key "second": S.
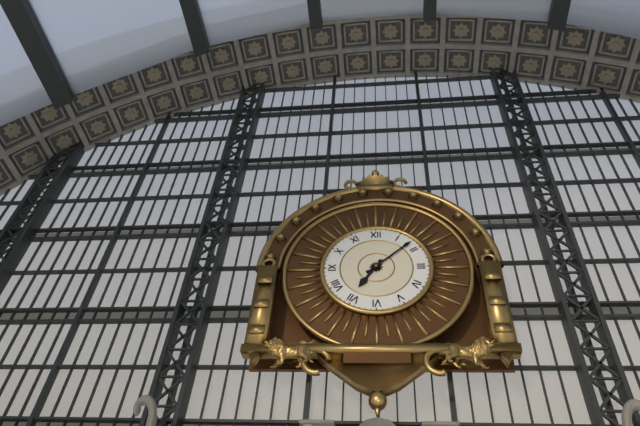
{"hour": 7, "minute": 8}
